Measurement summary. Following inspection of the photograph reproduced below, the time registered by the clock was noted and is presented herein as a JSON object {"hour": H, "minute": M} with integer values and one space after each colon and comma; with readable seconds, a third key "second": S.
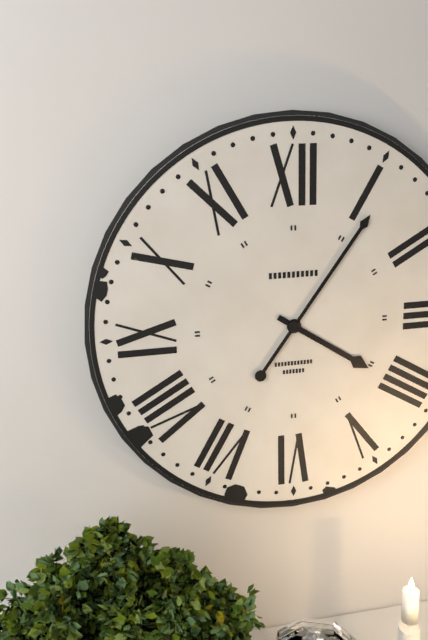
{"hour": 4, "minute": 6}
